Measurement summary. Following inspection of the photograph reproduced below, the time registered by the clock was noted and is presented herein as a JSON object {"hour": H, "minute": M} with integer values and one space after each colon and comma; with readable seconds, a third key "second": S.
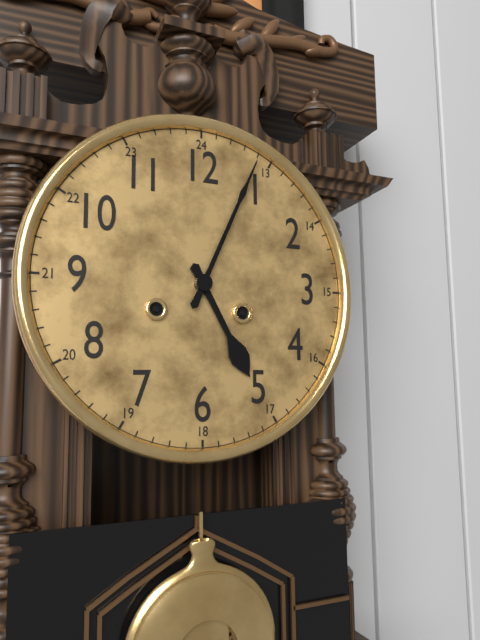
{"hour": 5, "minute": 4}
